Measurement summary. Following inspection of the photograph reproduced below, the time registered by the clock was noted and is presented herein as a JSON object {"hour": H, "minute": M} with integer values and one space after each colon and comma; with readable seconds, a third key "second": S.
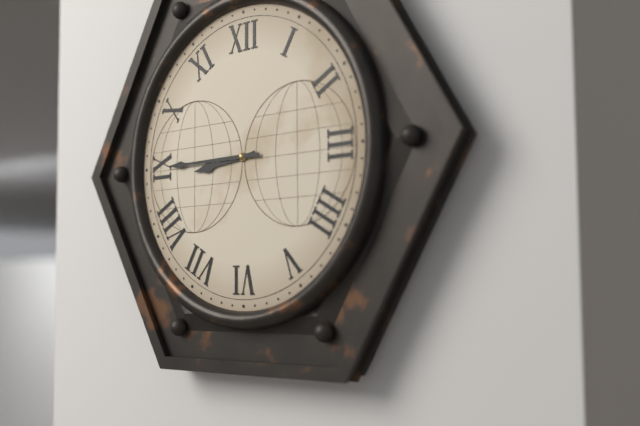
{"hour": 8, "minute": 45}
